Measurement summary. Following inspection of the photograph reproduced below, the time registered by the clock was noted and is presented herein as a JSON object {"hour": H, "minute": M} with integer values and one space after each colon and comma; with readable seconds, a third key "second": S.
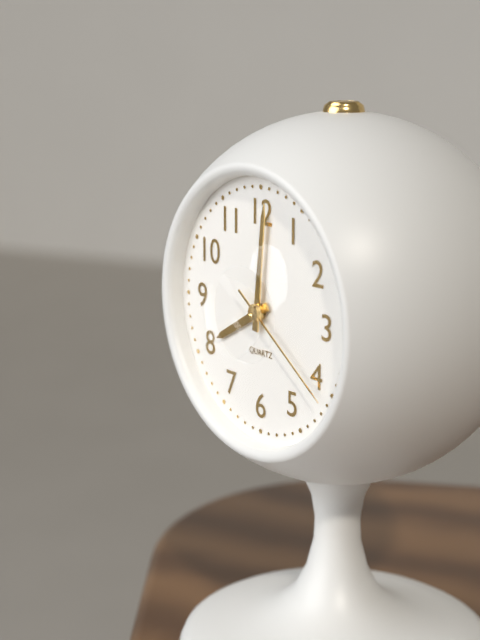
{"hour": 8, "minute": 1, "second": 21}
